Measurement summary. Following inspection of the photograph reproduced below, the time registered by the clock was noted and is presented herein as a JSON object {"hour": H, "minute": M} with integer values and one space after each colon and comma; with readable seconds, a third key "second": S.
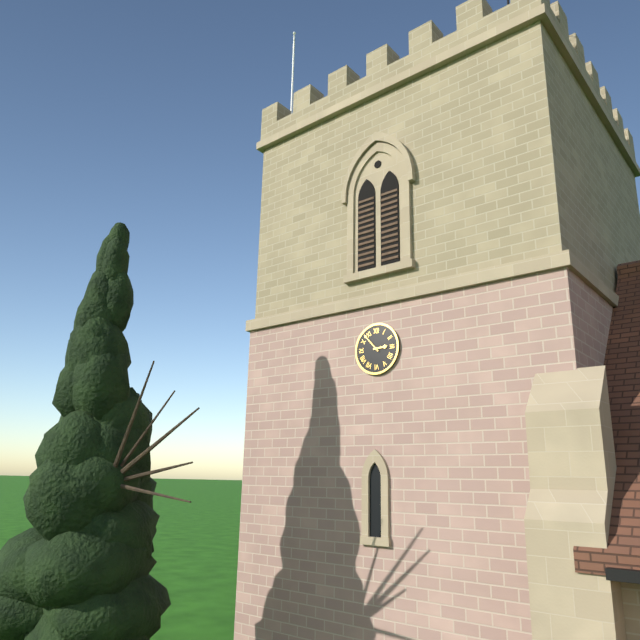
{"hour": 2, "minute": 53}
